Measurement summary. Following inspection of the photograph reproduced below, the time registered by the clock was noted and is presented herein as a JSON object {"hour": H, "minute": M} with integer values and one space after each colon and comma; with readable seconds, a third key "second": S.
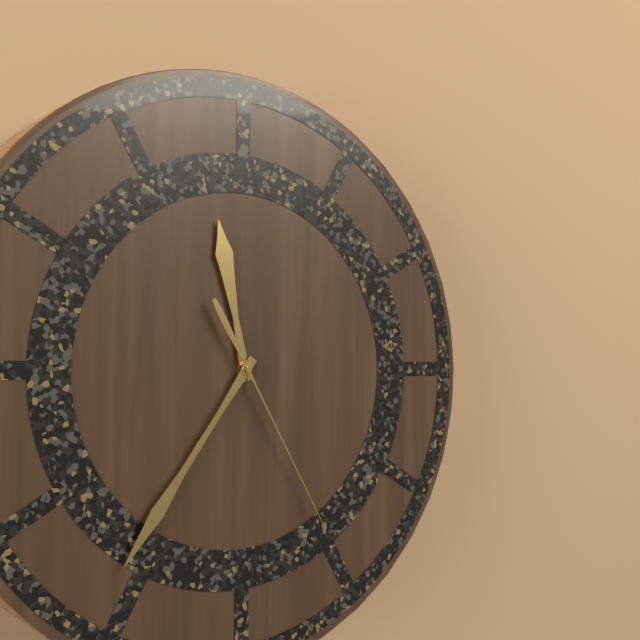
{"hour": 11, "minute": 36, "second": 25}
